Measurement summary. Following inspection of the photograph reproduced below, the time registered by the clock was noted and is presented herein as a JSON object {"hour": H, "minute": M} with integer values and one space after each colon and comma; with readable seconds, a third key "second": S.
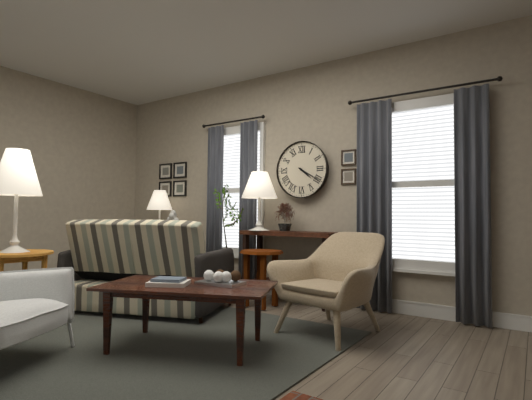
{"hour": 4, "minute": 20}
